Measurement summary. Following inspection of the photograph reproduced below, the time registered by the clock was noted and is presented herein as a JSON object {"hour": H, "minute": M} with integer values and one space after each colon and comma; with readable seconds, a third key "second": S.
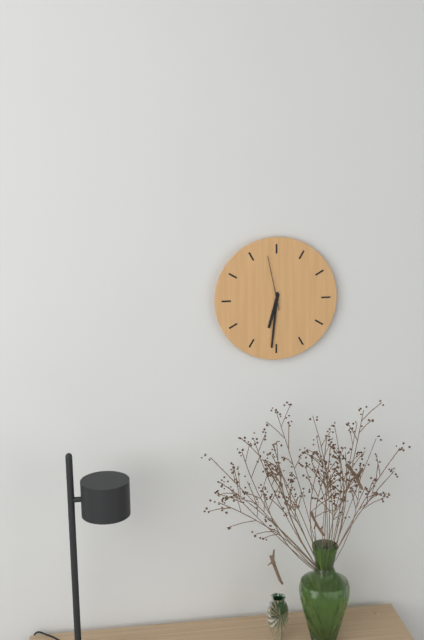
{"hour": 6, "minute": 31, "second": 58}
